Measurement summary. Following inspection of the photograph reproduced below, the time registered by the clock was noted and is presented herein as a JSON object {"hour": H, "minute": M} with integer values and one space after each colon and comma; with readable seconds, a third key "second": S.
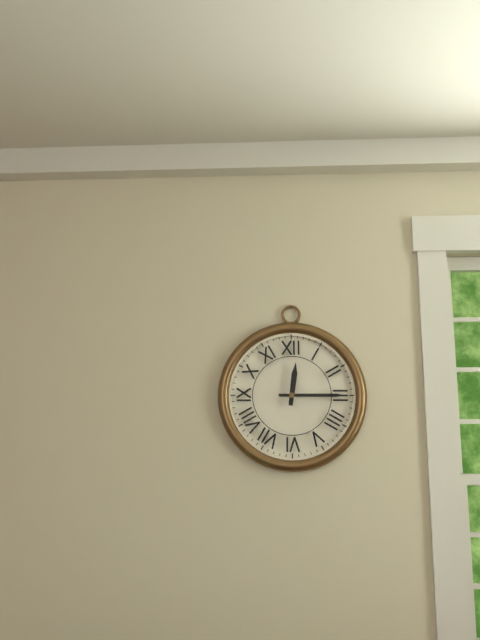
{"hour": 12, "minute": 15}
